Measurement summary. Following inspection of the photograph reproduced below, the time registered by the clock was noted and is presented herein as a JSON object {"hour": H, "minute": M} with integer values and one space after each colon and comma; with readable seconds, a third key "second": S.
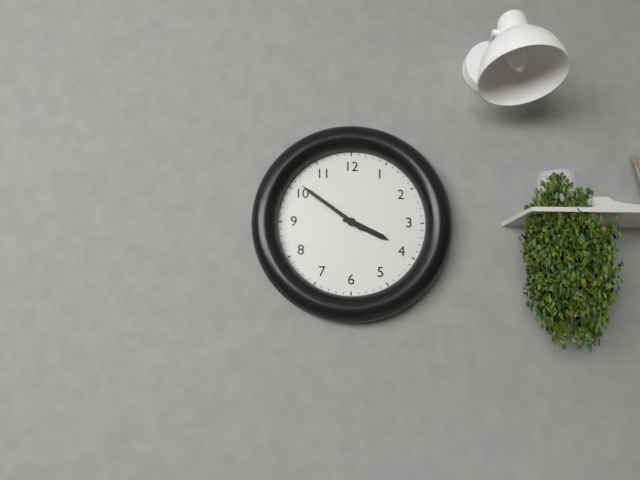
{"hour": 3, "minute": 51}
